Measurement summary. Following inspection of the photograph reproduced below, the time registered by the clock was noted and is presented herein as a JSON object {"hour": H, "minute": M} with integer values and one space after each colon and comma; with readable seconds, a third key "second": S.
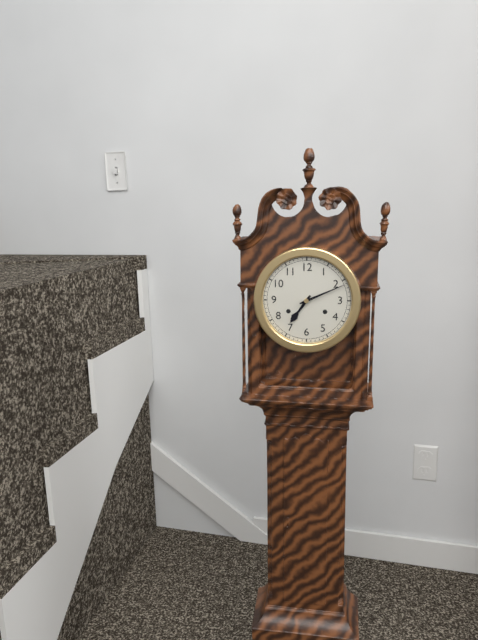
{"hour": 7, "minute": 11}
